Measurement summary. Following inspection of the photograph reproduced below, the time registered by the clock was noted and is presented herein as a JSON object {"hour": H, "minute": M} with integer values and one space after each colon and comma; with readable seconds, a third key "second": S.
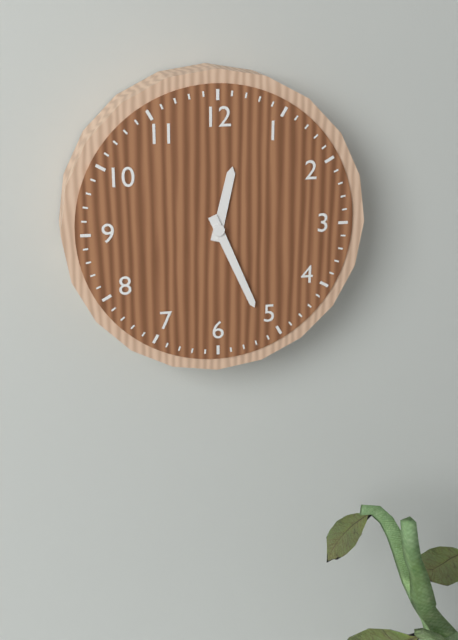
{"hour": 12, "minute": 26}
